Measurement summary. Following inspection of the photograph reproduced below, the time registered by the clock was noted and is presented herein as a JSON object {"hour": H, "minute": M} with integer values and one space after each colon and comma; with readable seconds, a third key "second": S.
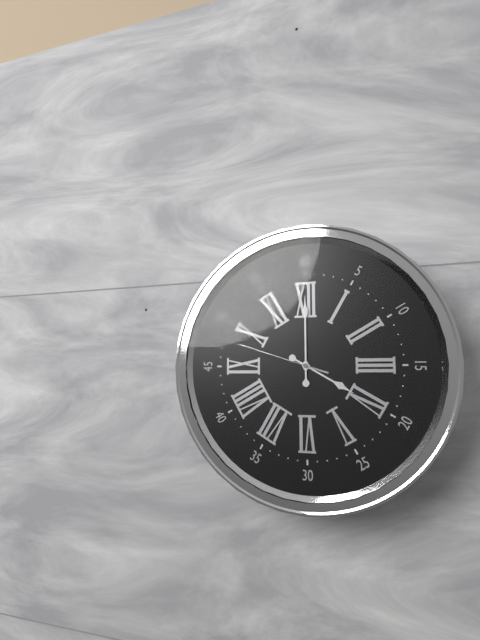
{"hour": 4, "minute": 0, "second": 48}
